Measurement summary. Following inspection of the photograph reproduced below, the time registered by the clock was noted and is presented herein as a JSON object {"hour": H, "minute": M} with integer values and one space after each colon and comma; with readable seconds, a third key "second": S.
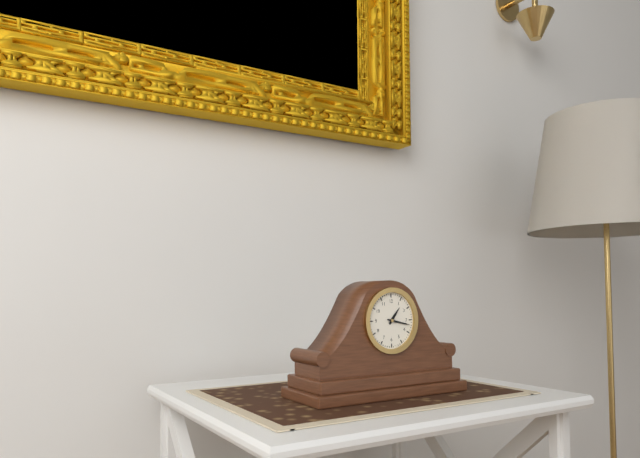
{"hour": 1, "minute": 17}
